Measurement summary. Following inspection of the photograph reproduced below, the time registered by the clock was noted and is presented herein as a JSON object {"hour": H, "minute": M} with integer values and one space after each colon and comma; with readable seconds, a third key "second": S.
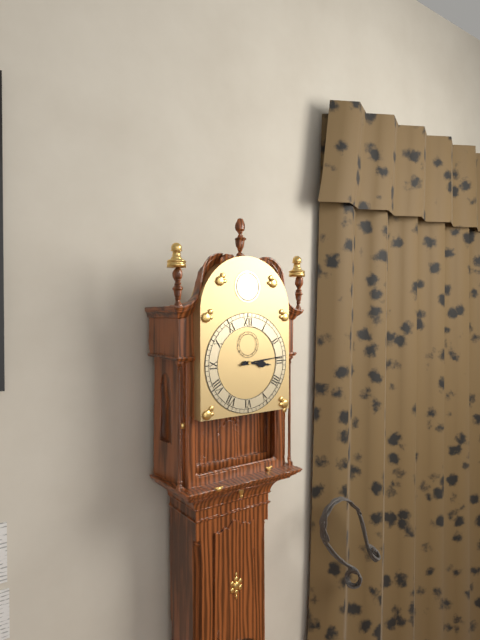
{"hour": 3, "minute": 14}
